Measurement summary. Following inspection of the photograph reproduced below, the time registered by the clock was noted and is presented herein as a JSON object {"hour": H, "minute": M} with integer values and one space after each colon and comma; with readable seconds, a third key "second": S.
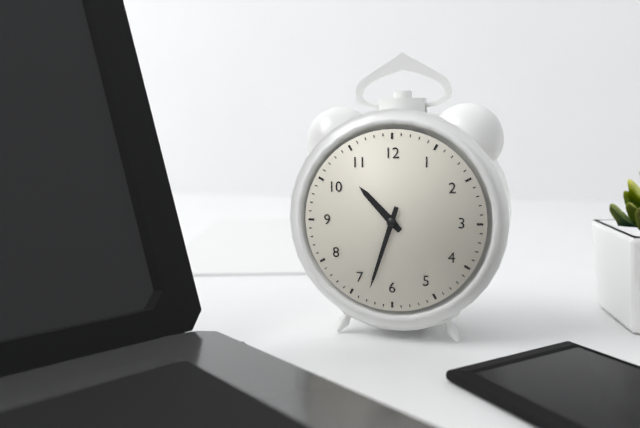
{"hour": 10, "minute": 33}
